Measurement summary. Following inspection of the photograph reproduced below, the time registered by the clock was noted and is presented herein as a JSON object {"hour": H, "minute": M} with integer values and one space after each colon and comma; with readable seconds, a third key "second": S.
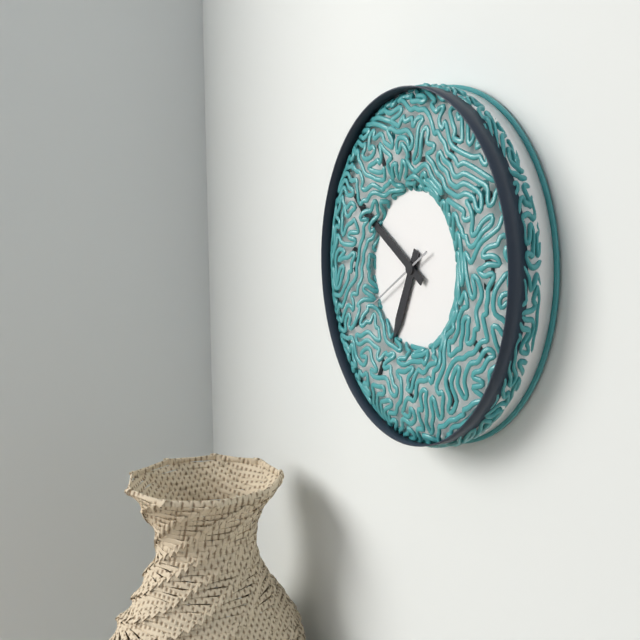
{"hour": 6, "minute": 50, "second": 40}
